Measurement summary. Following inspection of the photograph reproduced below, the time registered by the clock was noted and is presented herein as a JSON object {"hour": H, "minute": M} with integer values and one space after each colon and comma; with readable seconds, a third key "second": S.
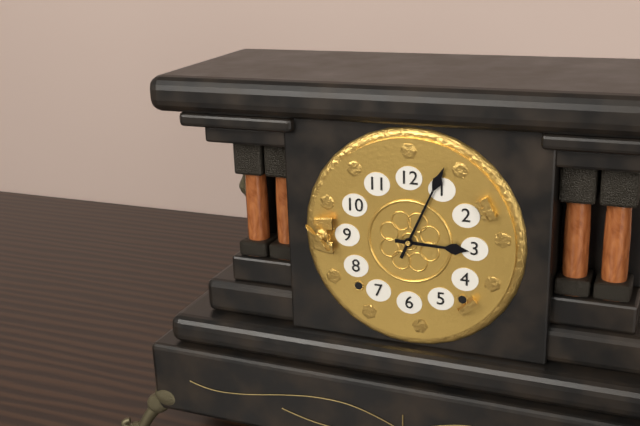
{"hour": 3, "minute": 4}
